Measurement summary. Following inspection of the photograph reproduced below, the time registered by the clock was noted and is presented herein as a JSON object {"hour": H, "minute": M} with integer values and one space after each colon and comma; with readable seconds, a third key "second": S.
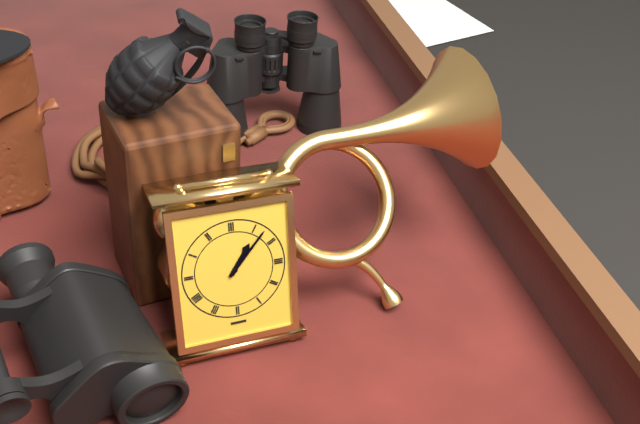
{"hour": 1, "minute": 7}
